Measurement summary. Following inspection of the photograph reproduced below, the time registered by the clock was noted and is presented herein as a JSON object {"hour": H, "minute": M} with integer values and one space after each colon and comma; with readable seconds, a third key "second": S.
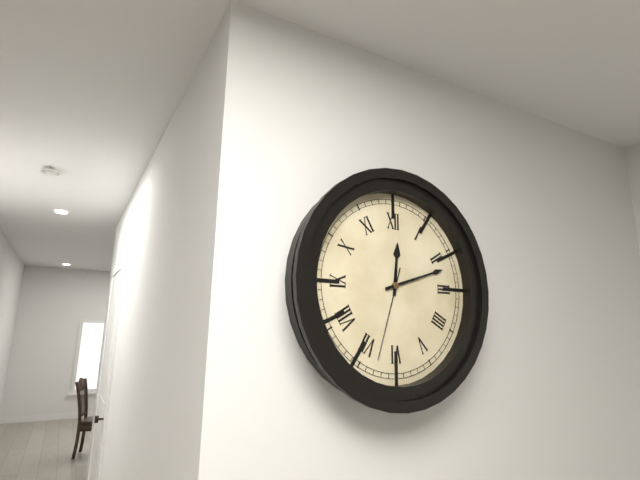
{"hour": 12, "minute": 12, "second": 33}
